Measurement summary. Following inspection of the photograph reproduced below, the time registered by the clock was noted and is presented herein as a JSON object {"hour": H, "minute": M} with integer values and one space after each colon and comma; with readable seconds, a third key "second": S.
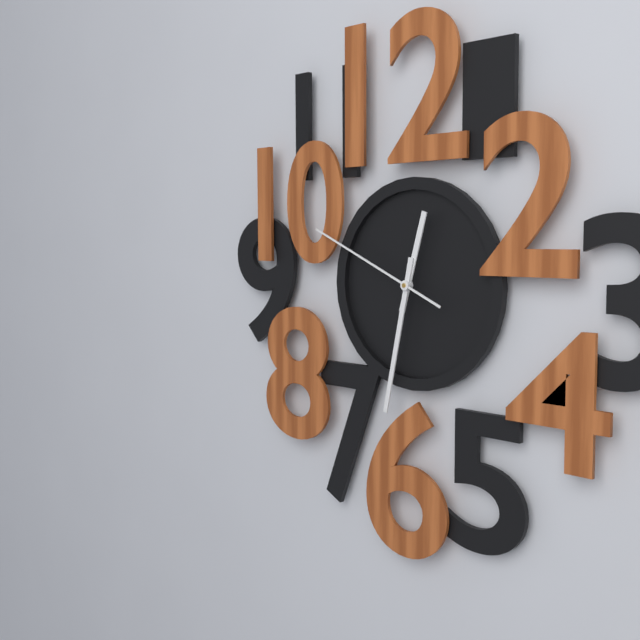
{"hour": 12, "minute": 32, "second": 49}
